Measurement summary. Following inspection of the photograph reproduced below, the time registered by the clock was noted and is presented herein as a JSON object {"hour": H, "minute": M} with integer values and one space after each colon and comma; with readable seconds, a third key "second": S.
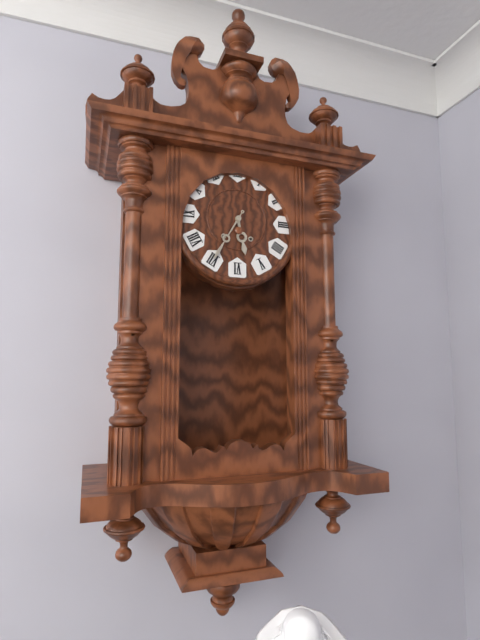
{"hour": 5, "minute": 35}
